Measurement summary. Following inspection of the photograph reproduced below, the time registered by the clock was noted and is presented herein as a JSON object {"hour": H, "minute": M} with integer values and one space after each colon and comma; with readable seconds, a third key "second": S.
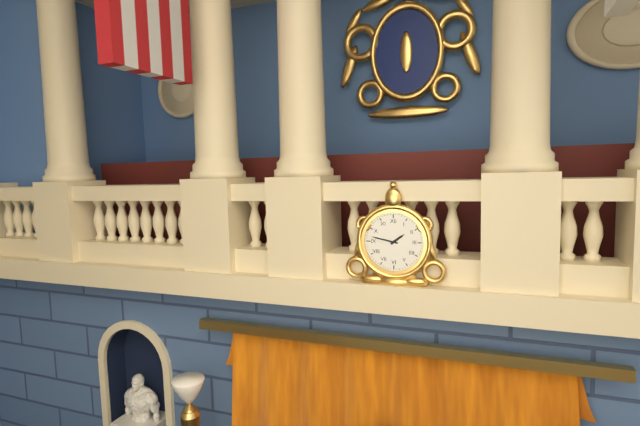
{"hour": 1, "minute": 47}
